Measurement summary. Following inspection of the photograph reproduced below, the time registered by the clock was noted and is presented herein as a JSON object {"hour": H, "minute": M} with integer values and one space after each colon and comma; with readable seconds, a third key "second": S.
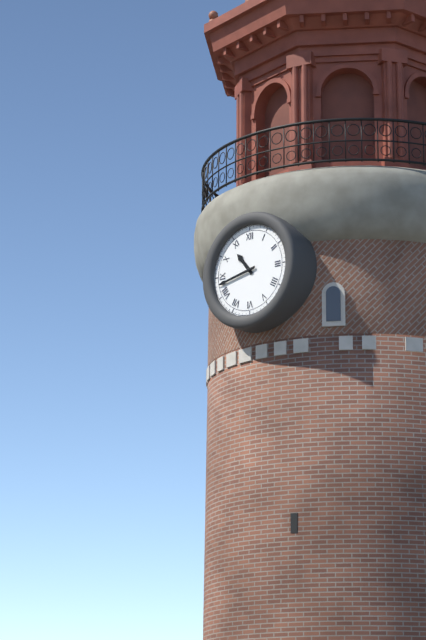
{"hour": 10, "minute": 43}
